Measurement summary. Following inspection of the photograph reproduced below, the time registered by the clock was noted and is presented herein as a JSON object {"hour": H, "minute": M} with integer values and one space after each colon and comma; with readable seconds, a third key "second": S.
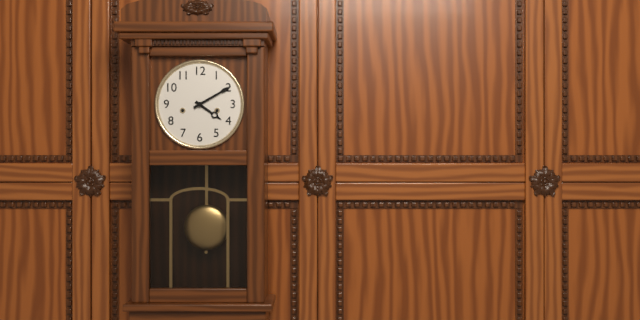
{"hour": 4, "minute": 10}
